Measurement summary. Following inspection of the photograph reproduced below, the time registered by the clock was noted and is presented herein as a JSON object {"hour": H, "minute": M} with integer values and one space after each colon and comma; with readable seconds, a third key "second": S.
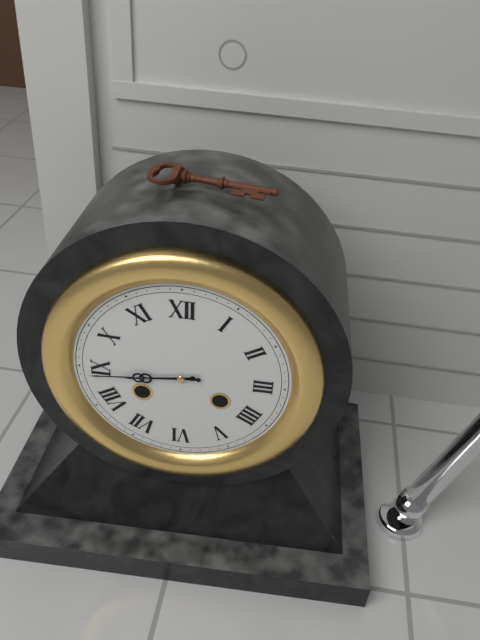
{"hour": 8, "minute": 44}
